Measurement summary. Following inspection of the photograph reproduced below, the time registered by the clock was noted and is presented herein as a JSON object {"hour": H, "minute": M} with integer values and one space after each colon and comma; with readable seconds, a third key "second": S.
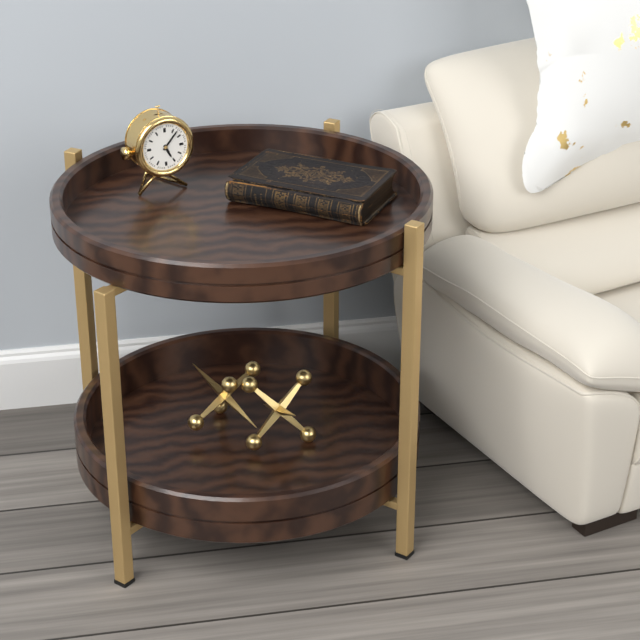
{"hour": 5, "minute": 7}
